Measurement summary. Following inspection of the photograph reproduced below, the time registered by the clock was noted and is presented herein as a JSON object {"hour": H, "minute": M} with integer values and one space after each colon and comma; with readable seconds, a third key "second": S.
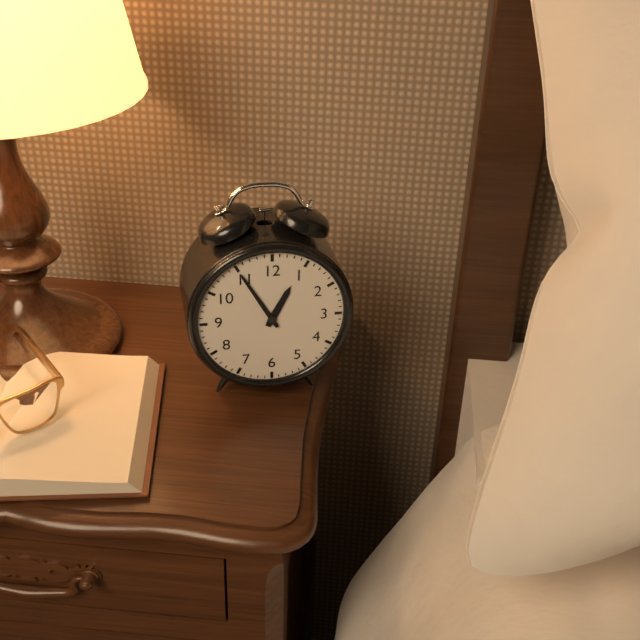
{"hour": 12, "minute": 55}
